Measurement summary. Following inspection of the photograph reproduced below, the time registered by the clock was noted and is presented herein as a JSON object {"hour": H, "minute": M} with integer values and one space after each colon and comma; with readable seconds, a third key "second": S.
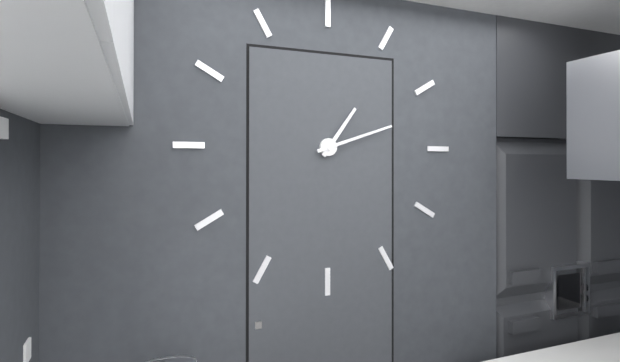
{"hour": 1, "minute": 12}
